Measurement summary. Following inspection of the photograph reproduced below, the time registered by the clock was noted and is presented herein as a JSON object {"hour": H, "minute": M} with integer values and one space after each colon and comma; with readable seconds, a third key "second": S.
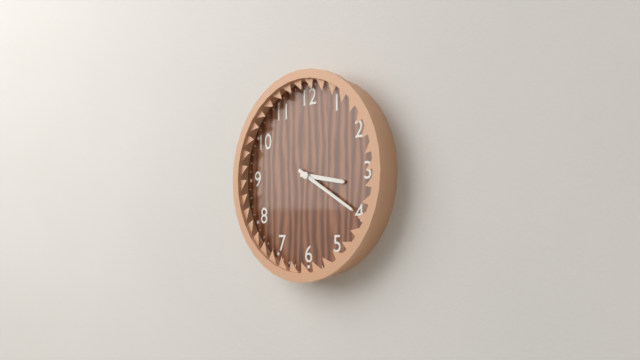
{"hour": 3, "minute": 20}
